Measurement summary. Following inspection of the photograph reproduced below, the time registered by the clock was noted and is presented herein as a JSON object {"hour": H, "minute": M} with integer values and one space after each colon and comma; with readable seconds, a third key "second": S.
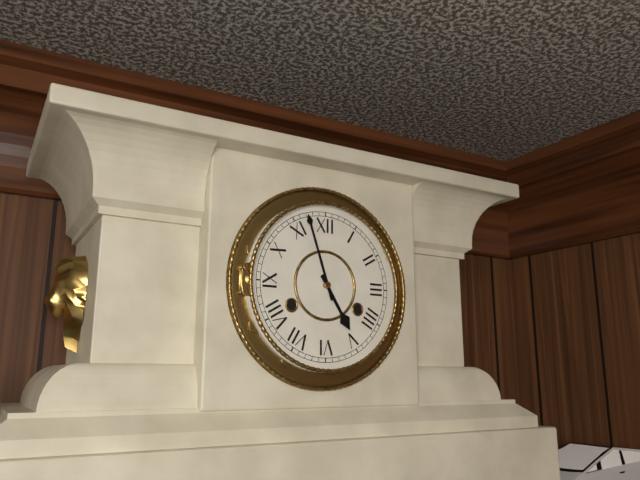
{"hour": 4, "minute": 57}
